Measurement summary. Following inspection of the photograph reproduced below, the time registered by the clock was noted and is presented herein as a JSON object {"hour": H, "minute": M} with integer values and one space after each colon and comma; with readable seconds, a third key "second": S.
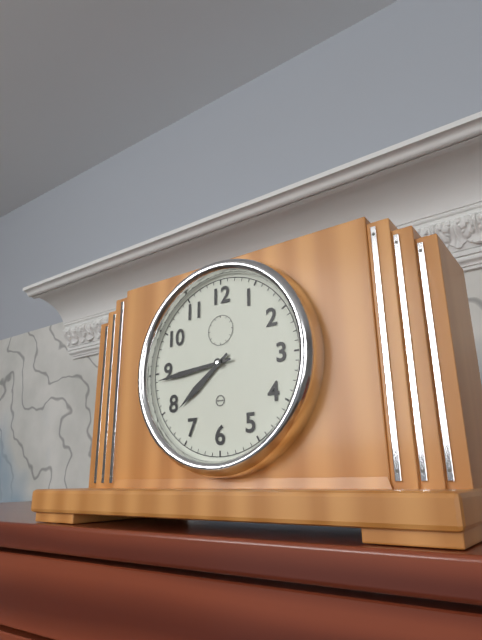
{"hour": 7, "minute": 44}
